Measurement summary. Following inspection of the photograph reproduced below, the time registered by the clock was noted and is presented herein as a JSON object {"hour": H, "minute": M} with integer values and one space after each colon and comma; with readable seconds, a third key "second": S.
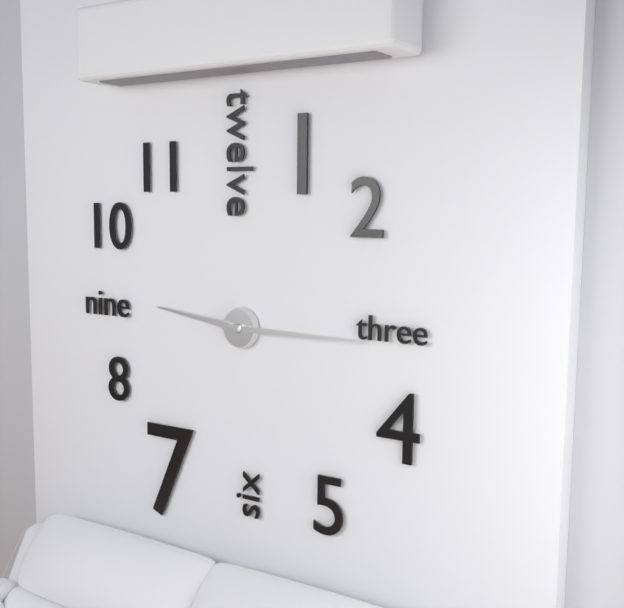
{"hour": 9, "minute": 15}
